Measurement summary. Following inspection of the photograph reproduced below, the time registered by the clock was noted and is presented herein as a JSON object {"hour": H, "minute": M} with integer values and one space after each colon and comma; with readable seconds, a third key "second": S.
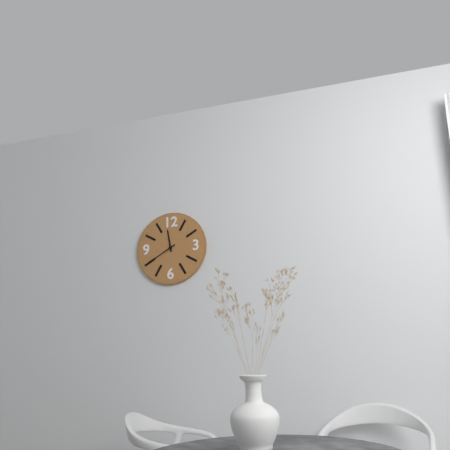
{"hour": 11, "minute": 40}
